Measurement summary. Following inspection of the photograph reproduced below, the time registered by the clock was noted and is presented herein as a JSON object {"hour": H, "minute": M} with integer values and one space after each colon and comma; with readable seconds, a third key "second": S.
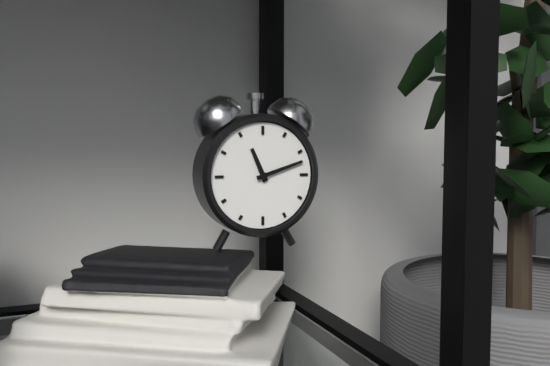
{"hour": 11, "minute": 12}
